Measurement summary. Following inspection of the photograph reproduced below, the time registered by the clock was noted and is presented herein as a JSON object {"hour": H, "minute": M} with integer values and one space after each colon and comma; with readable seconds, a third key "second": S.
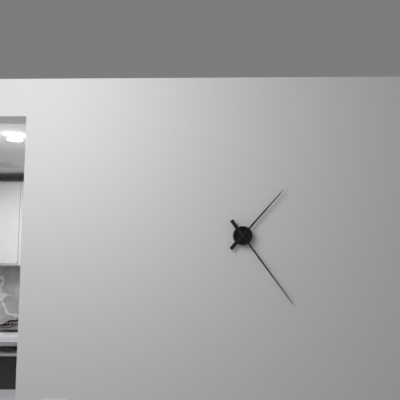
{"hour": 1, "minute": 24}
